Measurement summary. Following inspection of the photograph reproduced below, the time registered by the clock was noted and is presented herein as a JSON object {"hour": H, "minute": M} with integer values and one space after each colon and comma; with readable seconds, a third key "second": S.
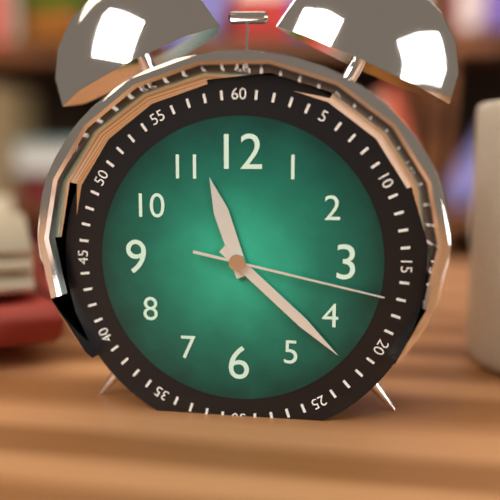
{"hour": 11, "minute": 22, "second": 17}
